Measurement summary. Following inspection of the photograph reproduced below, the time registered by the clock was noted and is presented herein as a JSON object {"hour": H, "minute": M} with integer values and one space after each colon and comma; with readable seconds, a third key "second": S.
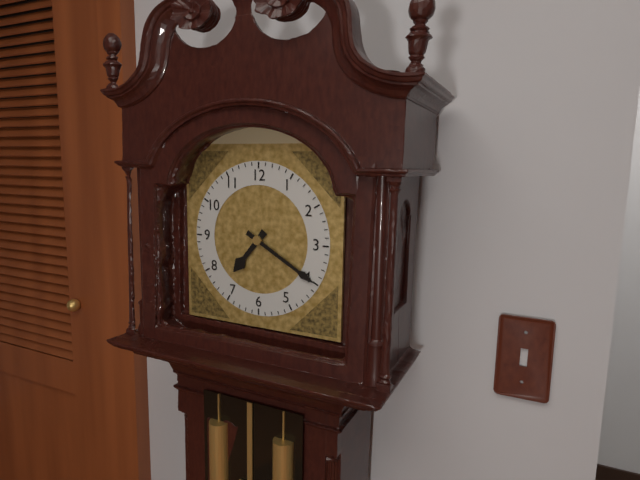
{"hour": 7, "minute": 20}
